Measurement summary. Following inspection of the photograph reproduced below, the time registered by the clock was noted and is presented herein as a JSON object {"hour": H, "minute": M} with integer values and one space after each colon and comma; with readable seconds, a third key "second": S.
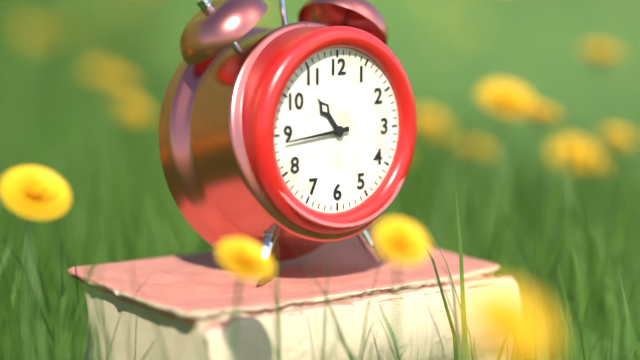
{"hour": 10, "minute": 44}
